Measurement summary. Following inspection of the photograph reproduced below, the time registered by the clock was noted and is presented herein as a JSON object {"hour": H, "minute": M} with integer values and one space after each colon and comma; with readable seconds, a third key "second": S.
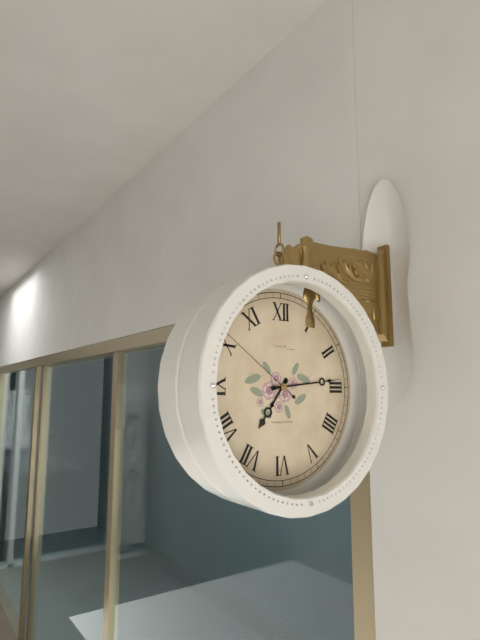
{"hour": 7, "minute": 14, "second": 51}
